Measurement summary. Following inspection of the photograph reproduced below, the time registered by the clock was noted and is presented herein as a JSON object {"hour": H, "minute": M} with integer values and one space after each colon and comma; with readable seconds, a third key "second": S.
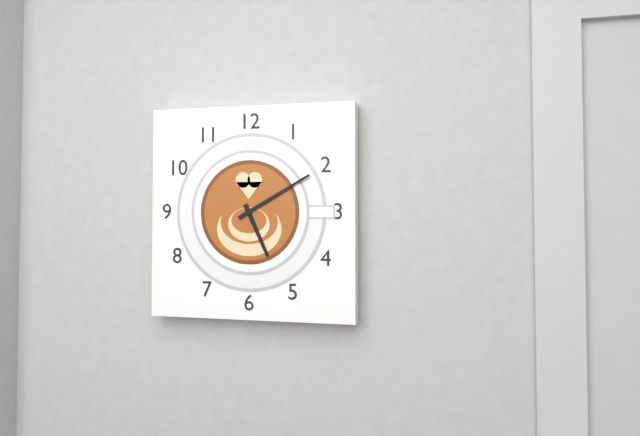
{"hour": 5, "minute": 10}
